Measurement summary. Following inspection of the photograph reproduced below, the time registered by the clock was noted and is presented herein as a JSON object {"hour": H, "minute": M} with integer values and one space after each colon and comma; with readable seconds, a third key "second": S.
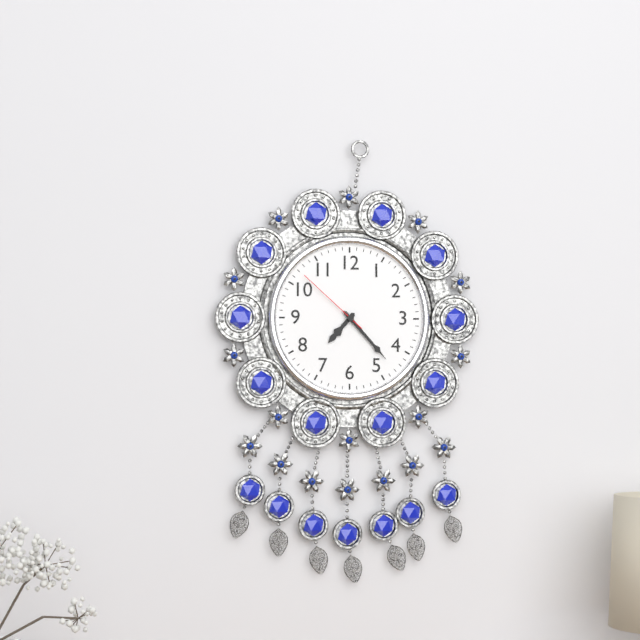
{"hour": 7, "minute": 23, "second": 52}
